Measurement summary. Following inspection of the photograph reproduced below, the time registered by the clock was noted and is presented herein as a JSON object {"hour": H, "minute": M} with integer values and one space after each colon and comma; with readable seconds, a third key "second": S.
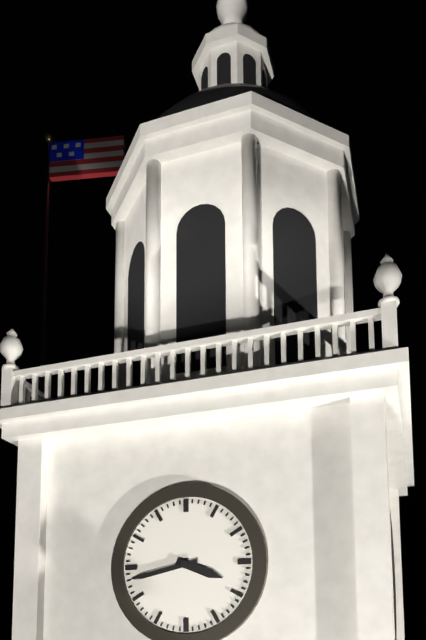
{"hour": 3, "minute": 43}
